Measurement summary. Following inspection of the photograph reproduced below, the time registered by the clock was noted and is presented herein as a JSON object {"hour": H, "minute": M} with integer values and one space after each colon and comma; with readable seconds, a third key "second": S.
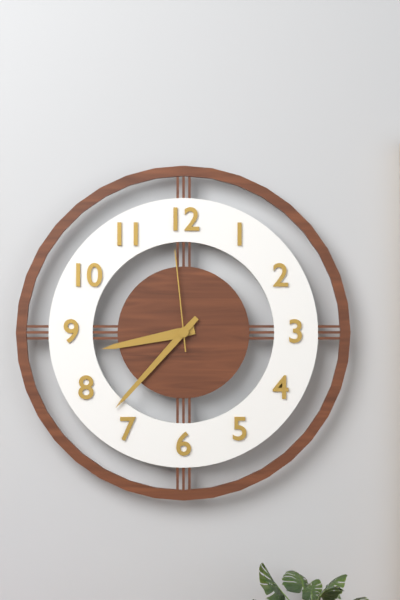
{"hour": 8, "minute": 37, "second": 59}
